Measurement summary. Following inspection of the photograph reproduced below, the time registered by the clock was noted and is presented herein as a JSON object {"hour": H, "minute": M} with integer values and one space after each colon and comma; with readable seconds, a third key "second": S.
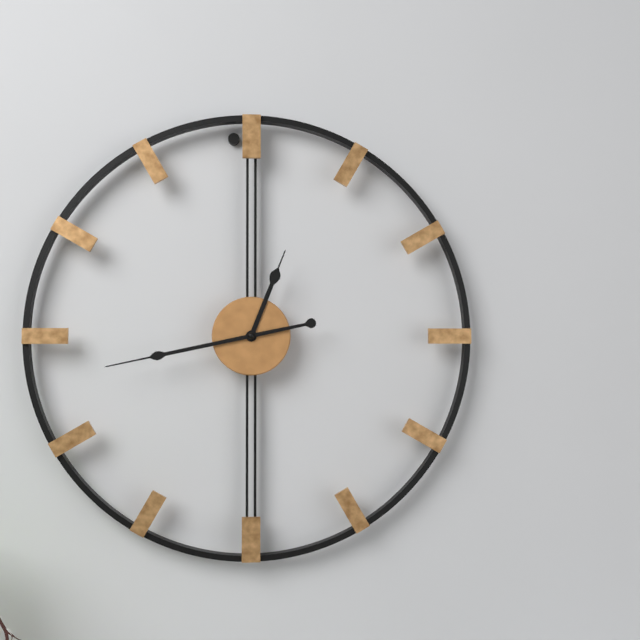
{"hour": 12, "minute": 43}
